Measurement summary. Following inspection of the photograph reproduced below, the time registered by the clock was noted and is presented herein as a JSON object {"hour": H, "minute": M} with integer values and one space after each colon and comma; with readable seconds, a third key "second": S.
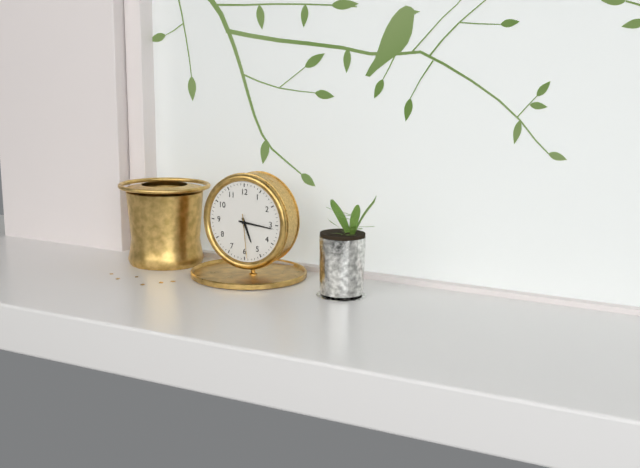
{"hour": 5, "minute": 16}
